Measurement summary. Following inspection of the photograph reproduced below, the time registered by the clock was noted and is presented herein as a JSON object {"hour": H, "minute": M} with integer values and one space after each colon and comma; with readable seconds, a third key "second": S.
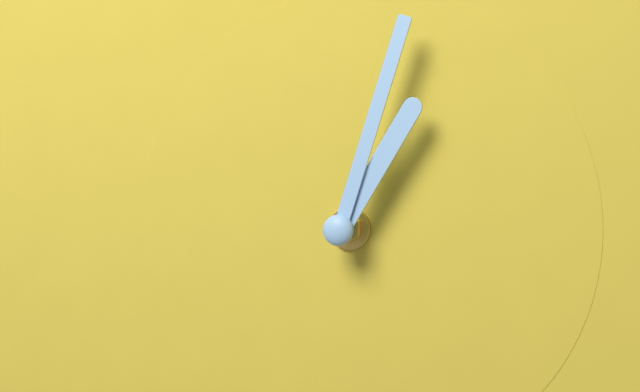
{"hour": 1, "minute": 3}
